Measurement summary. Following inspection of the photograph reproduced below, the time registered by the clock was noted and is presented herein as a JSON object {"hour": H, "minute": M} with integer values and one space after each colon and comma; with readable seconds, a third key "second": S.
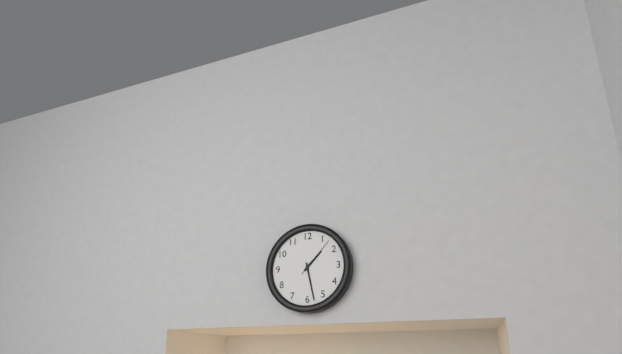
{"hour": 1, "minute": 28}
